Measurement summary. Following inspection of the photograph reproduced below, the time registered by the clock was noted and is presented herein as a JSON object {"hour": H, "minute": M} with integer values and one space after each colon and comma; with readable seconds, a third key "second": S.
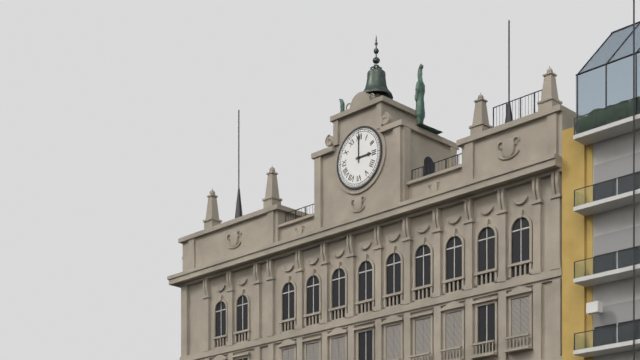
{"hour": 3, "minute": 0}
